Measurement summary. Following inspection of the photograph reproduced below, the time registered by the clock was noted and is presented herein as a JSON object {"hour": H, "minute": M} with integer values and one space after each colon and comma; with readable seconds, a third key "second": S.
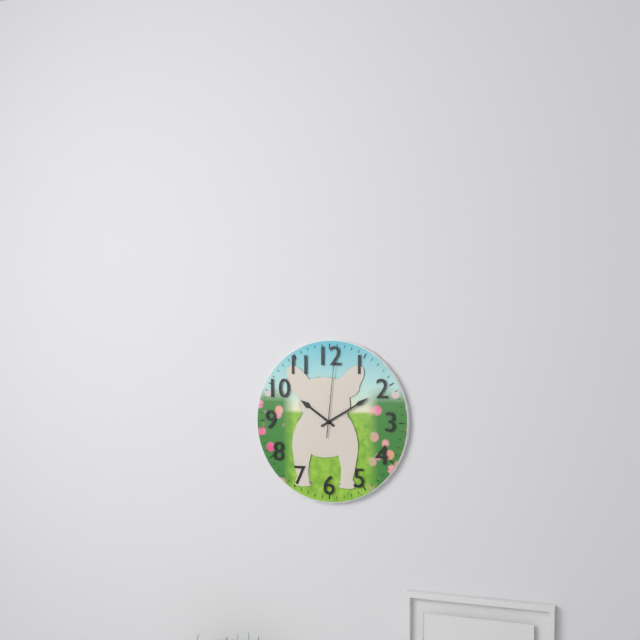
{"hour": 10, "minute": 10, "second": 1}
